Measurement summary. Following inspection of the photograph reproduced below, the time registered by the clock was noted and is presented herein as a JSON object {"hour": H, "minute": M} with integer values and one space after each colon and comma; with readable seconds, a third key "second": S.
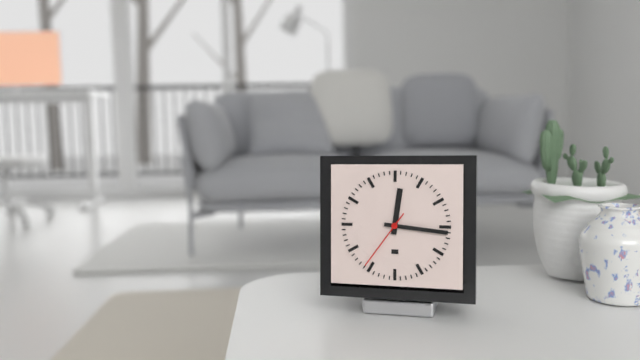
{"hour": 12, "minute": 16, "second": 36}
